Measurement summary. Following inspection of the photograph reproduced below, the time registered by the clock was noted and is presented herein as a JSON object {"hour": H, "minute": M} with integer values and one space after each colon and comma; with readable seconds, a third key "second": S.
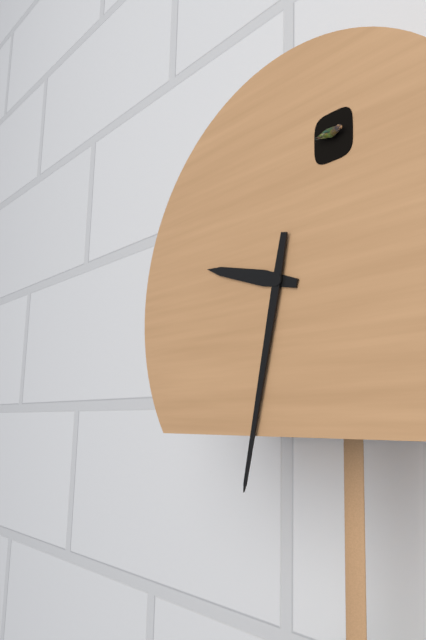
{"hour": 9, "minute": 32}
